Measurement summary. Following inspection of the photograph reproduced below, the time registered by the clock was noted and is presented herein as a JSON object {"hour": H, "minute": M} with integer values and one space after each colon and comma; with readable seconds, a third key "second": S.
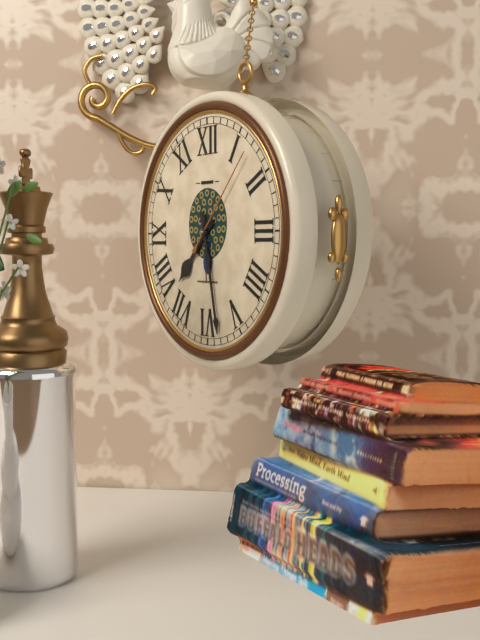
{"hour": 7, "minute": 28, "second": 7}
